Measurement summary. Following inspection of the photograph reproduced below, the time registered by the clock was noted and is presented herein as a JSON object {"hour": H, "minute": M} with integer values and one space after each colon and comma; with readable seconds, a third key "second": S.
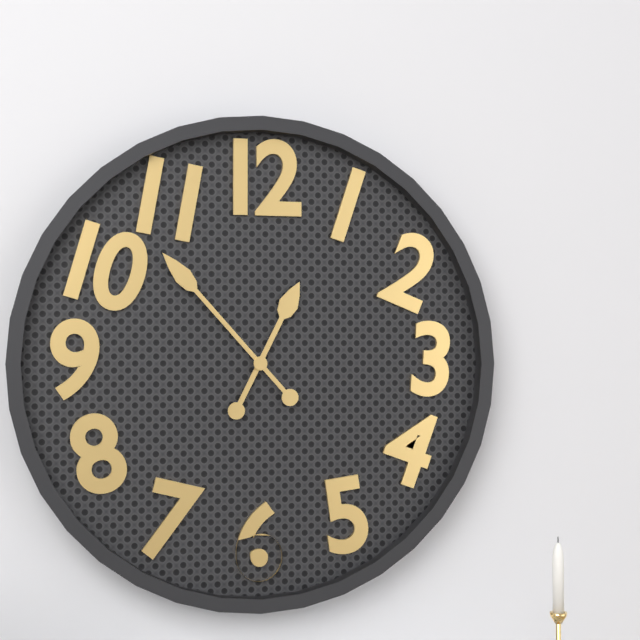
{"hour": 12, "minute": 53}
